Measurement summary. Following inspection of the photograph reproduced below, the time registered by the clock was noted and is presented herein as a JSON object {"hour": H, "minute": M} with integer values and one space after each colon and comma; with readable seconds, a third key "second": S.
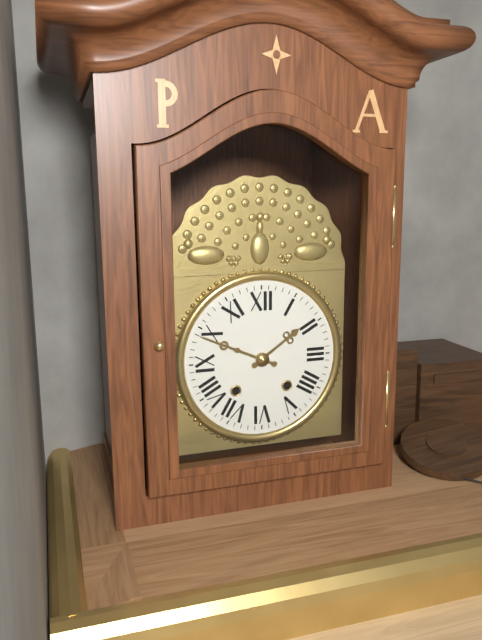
{"hour": 1, "minute": 49}
